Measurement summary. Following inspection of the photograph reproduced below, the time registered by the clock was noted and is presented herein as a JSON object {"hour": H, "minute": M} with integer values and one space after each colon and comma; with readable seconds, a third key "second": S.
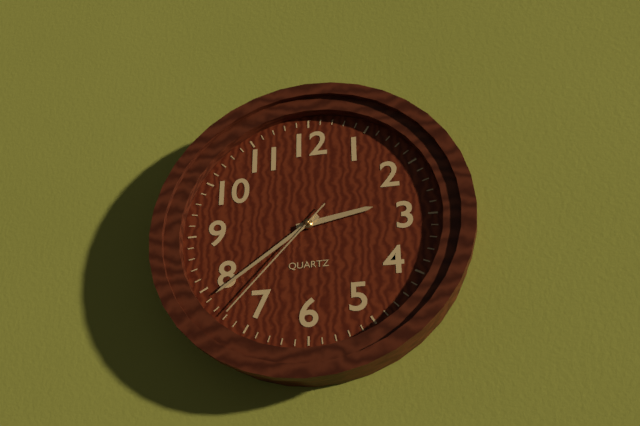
{"hour": 2, "minute": 39, "second": 37}
